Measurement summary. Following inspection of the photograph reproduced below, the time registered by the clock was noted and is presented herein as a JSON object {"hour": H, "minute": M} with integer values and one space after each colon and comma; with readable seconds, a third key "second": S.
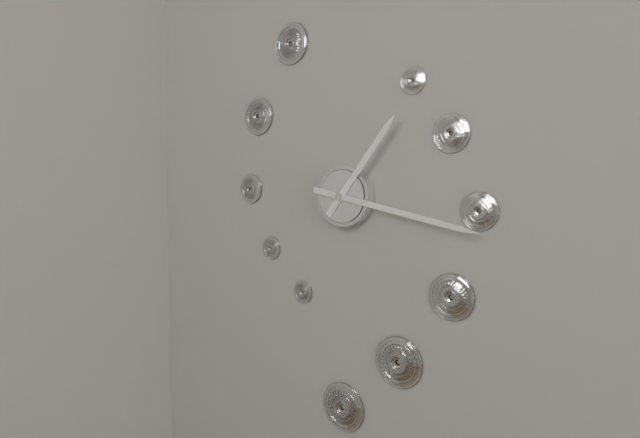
{"hour": 1, "minute": 17}
